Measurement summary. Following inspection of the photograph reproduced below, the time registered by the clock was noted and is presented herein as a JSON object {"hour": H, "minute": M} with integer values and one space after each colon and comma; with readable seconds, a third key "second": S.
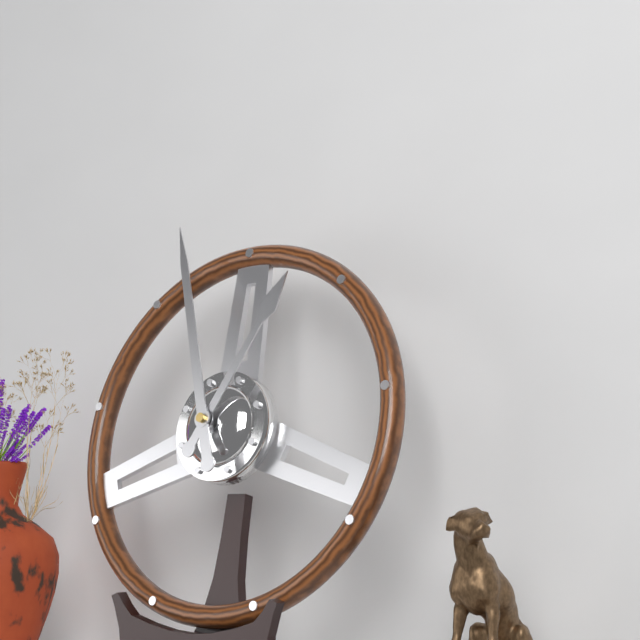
{"hour": 12, "minute": 57}
